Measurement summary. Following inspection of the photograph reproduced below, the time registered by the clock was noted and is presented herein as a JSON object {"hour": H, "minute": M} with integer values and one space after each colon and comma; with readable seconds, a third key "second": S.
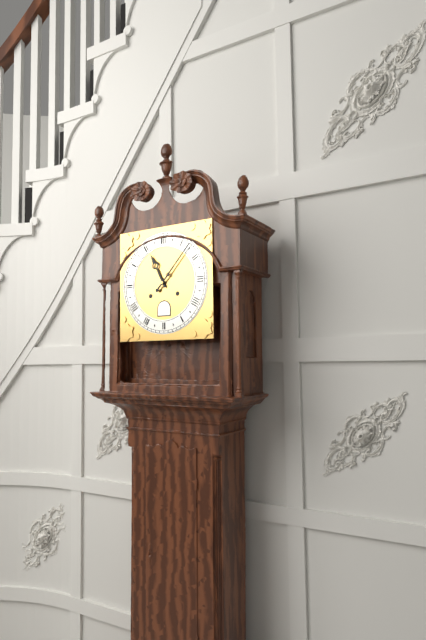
{"hour": 11, "minute": 7}
